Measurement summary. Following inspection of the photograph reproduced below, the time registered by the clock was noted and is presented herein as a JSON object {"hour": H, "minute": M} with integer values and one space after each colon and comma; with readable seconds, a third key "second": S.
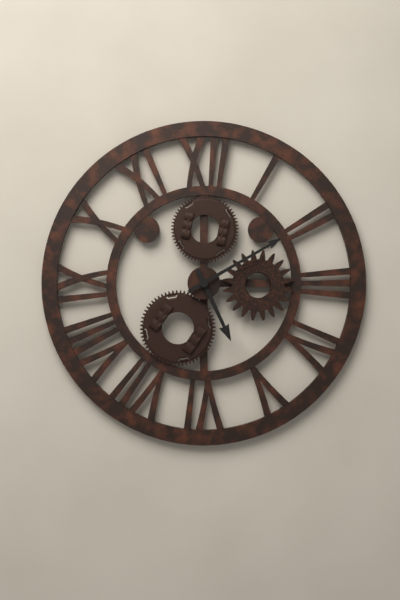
{"hour": 5, "minute": 10}
